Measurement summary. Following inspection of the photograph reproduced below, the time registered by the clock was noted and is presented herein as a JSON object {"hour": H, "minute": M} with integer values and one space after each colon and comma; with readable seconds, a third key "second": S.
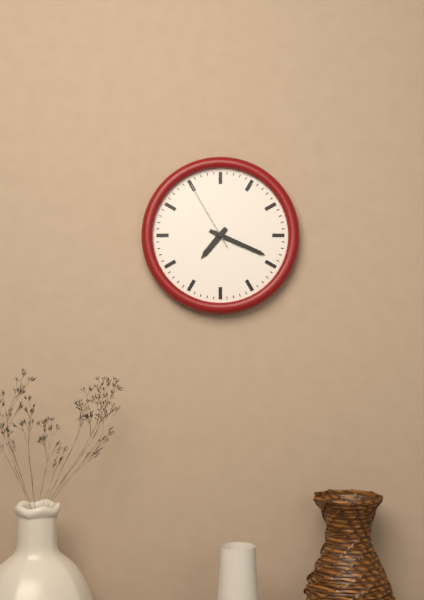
{"hour": 7, "minute": 19, "second": 55}
